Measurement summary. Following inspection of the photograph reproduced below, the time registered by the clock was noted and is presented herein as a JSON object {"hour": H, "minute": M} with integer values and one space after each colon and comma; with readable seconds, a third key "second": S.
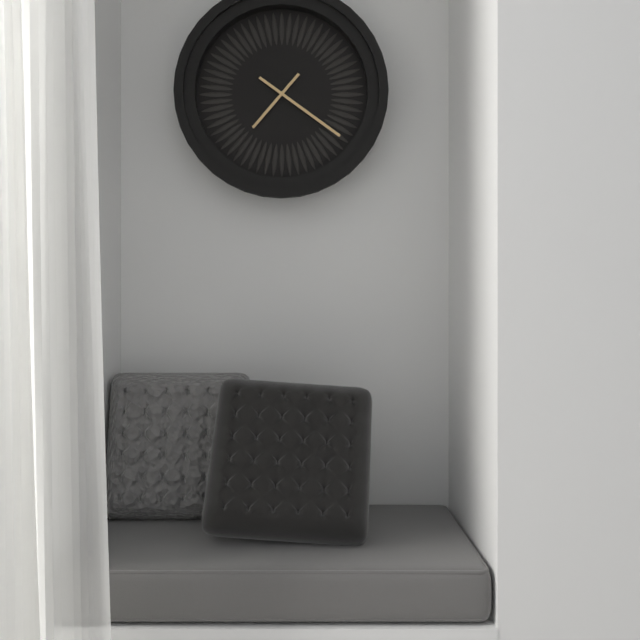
{"hour": 7, "minute": 21}
